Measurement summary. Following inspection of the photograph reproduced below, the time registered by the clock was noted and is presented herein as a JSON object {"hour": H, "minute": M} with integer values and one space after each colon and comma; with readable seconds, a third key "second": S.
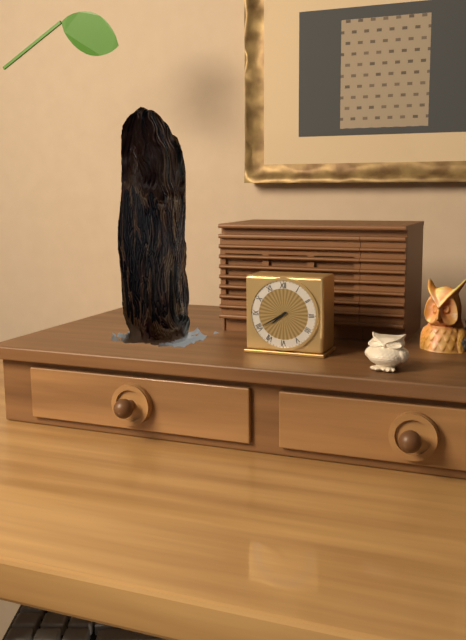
{"hour": 7, "minute": 40}
